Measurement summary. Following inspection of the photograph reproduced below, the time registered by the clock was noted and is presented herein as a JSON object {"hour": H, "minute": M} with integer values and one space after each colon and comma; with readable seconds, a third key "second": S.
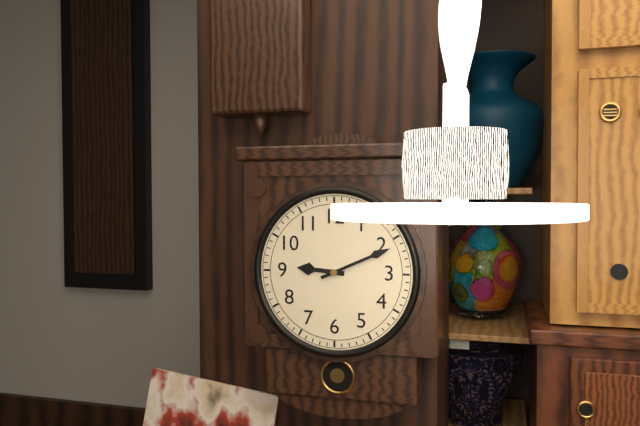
{"hour": 9, "minute": 11}
